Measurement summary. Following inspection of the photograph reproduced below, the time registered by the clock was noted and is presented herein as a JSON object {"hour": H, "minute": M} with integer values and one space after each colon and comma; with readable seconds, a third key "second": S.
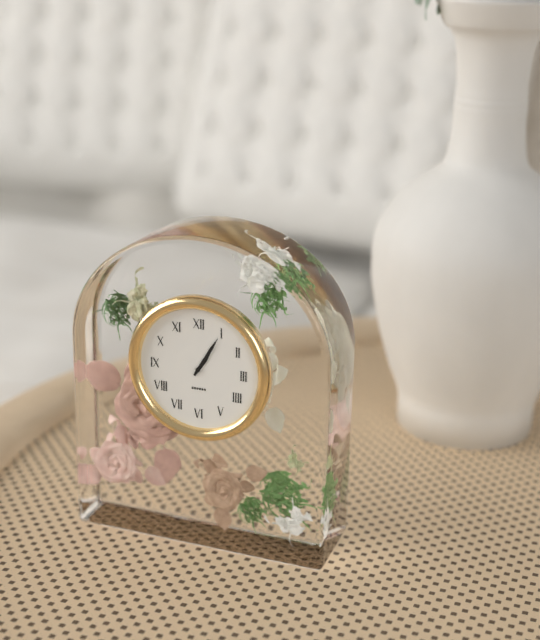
{"hour": 1, "minute": 5}
